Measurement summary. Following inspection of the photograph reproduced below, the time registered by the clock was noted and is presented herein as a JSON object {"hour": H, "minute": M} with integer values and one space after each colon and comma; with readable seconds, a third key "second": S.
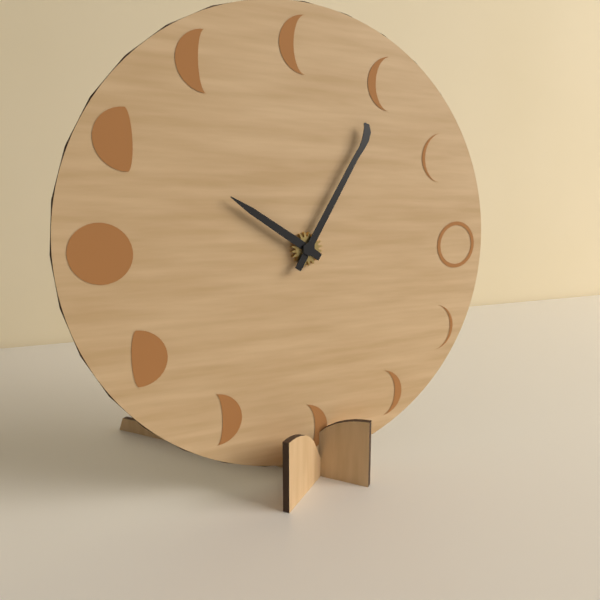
{"hour": 10, "minute": 5}
